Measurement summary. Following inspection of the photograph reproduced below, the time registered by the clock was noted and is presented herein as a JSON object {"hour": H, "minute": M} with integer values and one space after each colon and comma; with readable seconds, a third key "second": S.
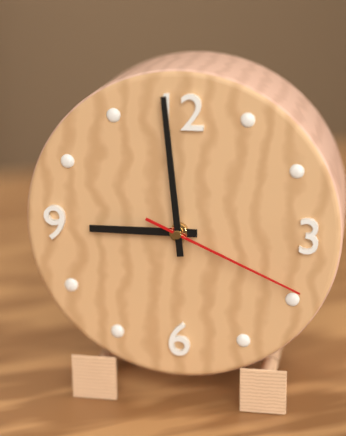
{"hour": 8, "minute": 59, "second": 19}
